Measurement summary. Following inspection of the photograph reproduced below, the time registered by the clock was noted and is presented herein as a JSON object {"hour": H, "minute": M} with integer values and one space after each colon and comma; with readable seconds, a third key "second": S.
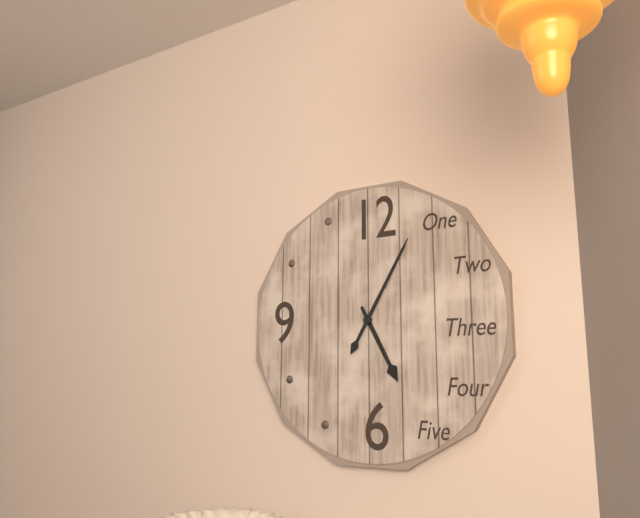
{"hour": 5, "minute": 5}
